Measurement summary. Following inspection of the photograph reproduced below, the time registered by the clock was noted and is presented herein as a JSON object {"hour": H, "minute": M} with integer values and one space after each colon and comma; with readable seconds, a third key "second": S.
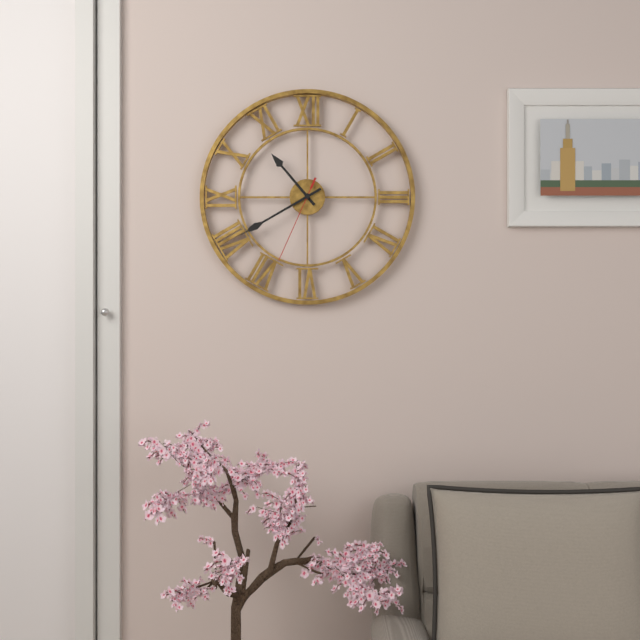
{"hour": 10, "minute": 40, "second": 34}
